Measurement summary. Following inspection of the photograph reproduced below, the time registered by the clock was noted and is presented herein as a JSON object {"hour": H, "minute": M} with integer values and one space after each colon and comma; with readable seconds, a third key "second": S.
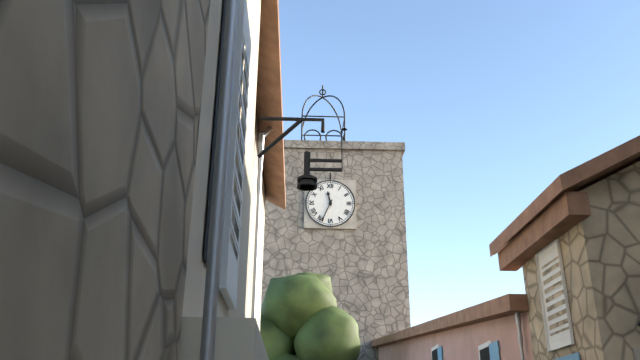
{"hour": 11, "minute": 34}
